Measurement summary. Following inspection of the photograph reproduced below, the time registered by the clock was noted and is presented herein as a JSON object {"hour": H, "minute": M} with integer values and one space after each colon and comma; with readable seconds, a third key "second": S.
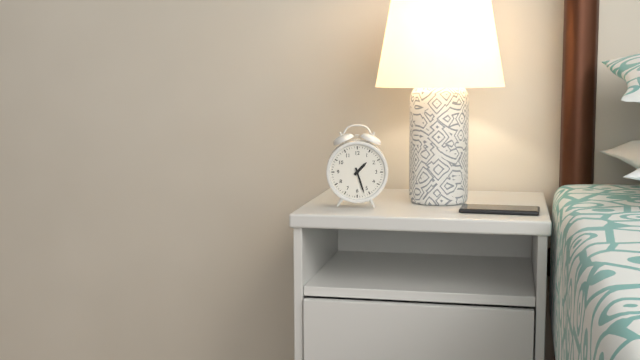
{"hour": 1, "minute": 27}
